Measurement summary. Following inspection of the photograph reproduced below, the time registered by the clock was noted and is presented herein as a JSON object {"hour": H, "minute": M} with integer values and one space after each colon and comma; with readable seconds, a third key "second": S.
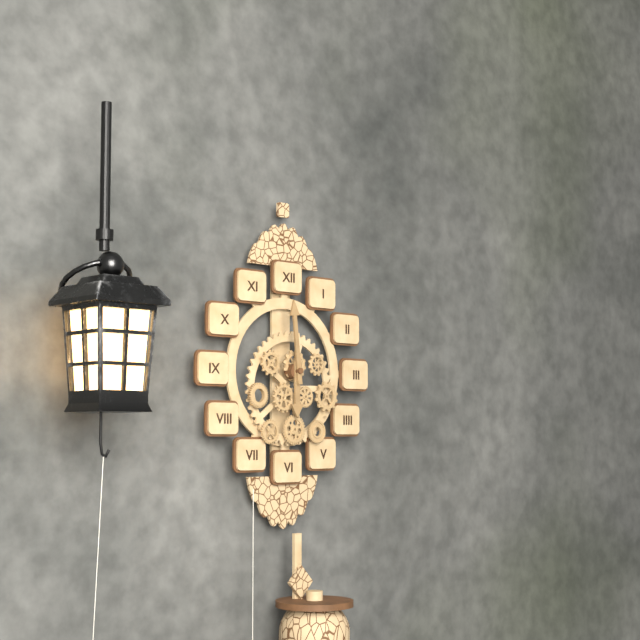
{"hour": 5, "minute": 59}
